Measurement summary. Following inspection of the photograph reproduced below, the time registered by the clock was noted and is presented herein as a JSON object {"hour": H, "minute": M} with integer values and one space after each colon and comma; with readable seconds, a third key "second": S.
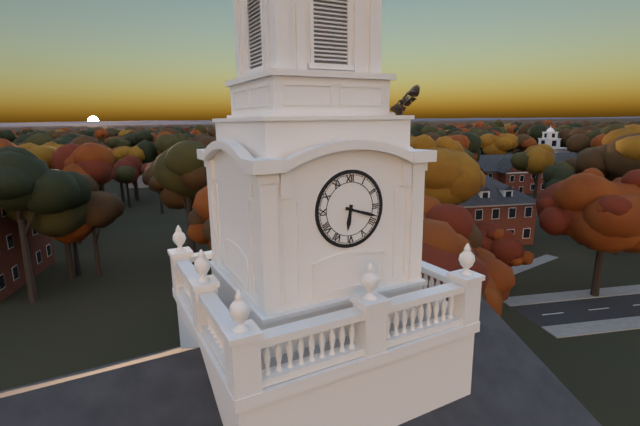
{"hour": 6, "minute": 18}
